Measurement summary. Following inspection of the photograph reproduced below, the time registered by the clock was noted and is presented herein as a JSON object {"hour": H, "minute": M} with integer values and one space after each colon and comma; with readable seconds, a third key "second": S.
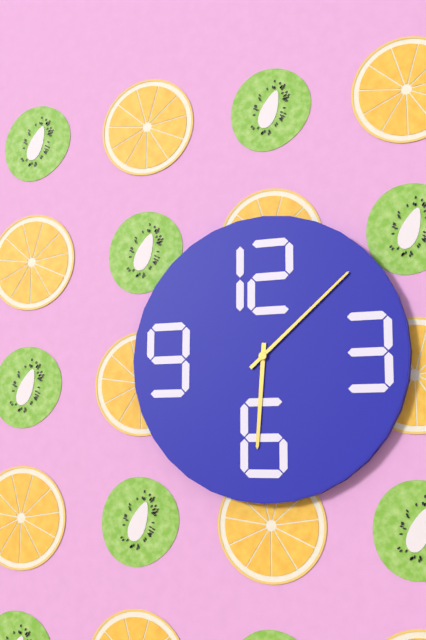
{"hour": 6, "minute": 8}
